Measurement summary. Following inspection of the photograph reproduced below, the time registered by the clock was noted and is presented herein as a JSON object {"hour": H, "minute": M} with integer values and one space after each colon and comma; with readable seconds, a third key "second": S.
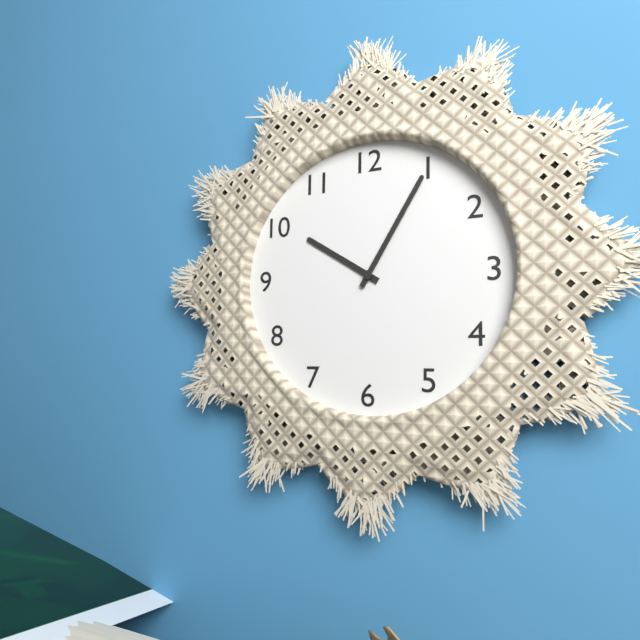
{"hour": 10, "minute": 5}
